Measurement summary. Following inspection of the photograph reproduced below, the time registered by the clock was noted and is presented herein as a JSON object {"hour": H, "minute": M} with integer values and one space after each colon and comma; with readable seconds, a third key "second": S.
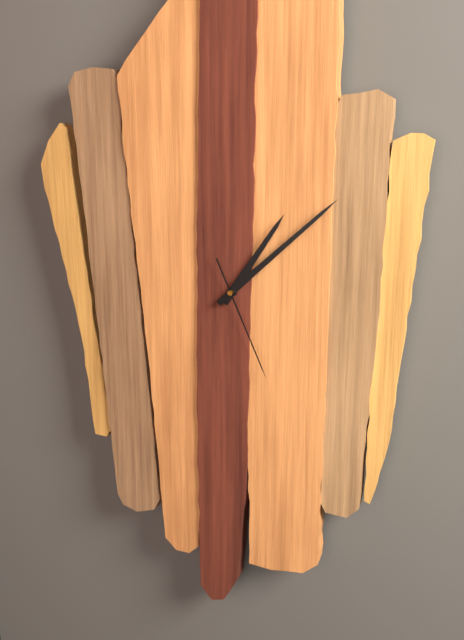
{"hour": 1, "minute": 8, "second": 26}
